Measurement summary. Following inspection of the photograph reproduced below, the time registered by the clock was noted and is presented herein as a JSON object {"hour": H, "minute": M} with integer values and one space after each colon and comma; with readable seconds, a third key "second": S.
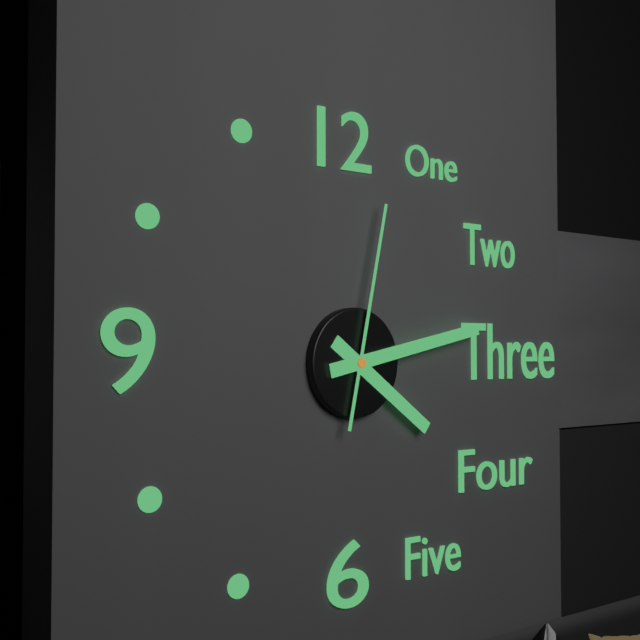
{"hour": 4, "minute": 13, "second": 2}
